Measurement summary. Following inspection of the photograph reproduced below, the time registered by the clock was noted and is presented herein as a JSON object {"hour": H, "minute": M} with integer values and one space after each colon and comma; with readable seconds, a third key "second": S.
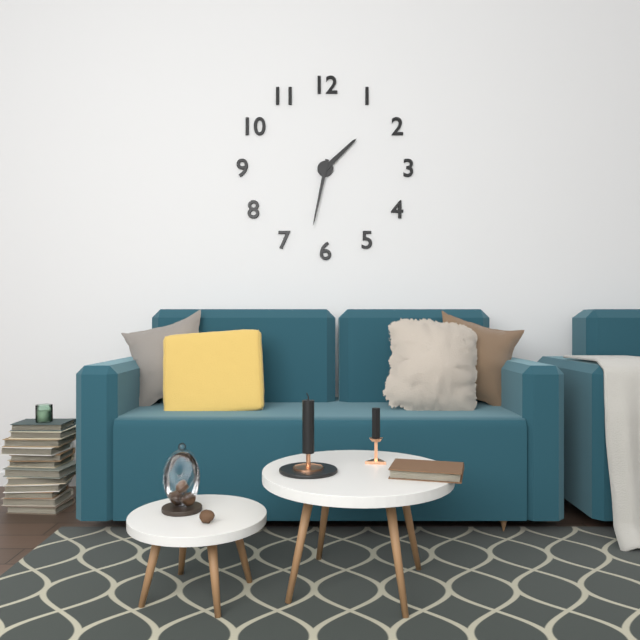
{"hour": 1, "minute": 32}
